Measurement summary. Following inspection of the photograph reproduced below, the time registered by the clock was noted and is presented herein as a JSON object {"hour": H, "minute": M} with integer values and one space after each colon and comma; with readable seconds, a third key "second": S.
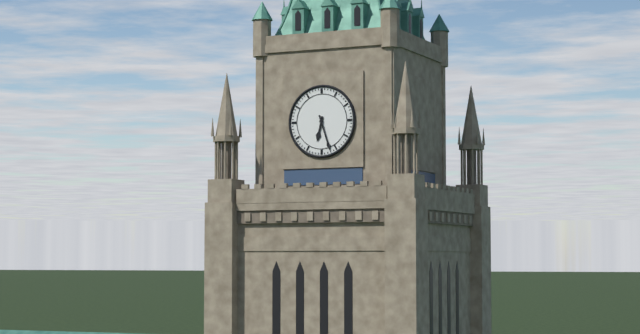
{"hour": 6, "minute": 27}
